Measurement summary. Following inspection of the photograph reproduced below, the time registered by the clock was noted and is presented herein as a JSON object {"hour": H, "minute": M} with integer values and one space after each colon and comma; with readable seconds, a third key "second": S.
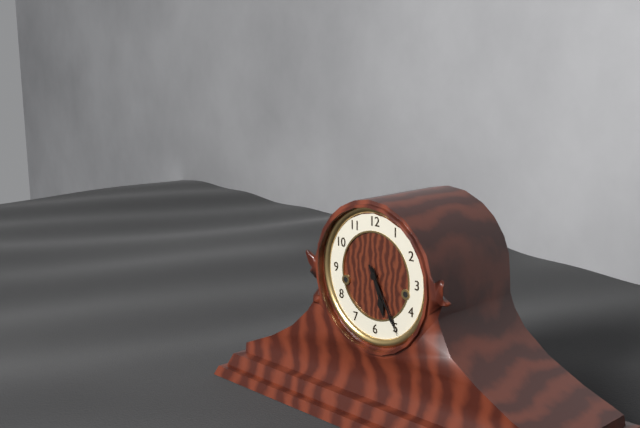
{"hour": 5, "minute": 25}
